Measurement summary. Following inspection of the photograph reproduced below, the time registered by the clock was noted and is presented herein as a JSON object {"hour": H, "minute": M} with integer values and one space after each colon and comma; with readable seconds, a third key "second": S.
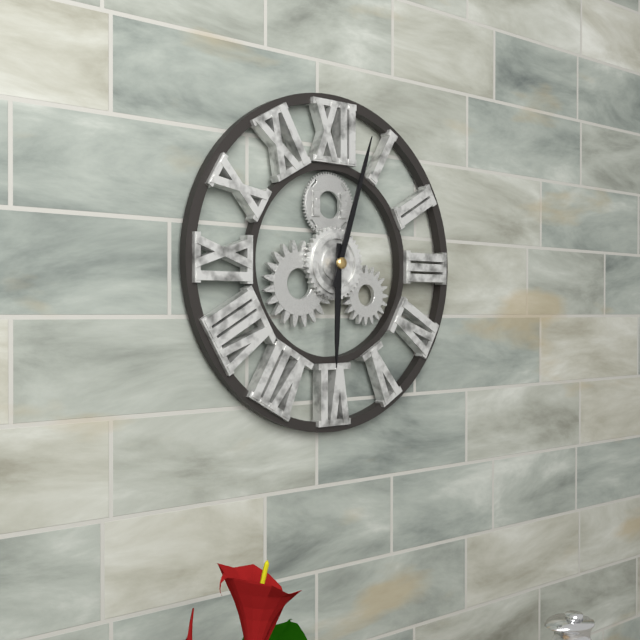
{"hour": 6, "minute": 3}
